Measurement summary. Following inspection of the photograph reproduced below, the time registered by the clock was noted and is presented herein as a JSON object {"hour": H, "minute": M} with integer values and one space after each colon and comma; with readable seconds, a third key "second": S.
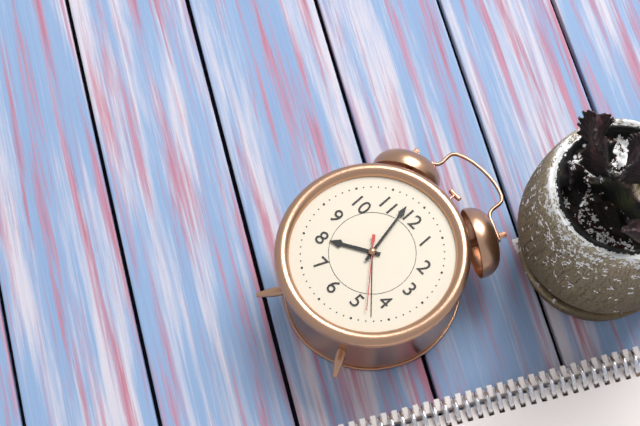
{"hour": 7, "minute": 58, "second": 23}
